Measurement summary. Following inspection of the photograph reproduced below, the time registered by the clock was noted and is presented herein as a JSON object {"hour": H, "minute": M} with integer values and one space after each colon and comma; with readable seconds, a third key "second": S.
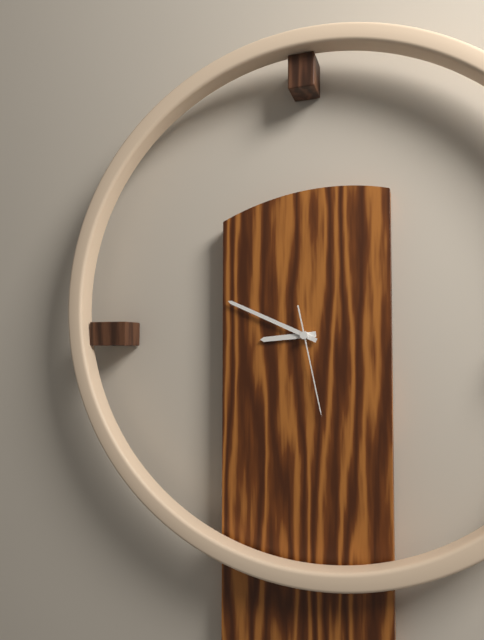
{"hour": 8, "minute": 49, "second": 28}
